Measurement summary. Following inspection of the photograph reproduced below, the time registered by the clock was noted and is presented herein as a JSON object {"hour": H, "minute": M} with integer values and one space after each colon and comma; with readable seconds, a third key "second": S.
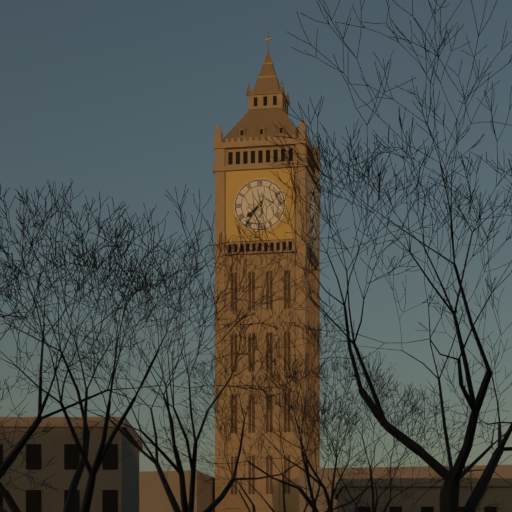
{"hour": 7, "minute": 36}
